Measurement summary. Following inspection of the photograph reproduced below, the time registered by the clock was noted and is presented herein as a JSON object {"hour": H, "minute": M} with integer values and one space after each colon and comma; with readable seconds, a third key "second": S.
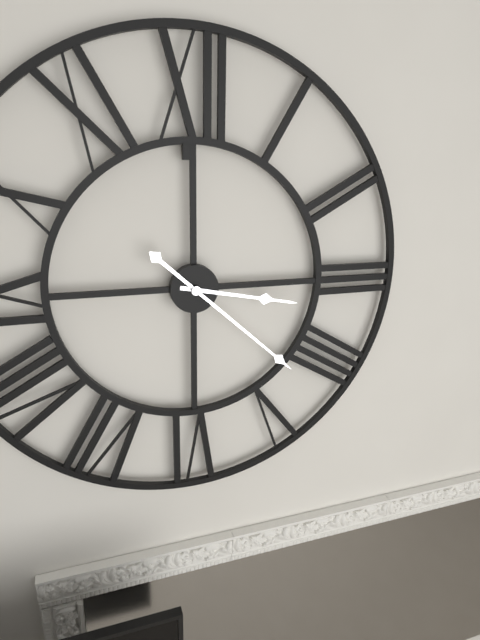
{"hour": 3, "minute": 22}
